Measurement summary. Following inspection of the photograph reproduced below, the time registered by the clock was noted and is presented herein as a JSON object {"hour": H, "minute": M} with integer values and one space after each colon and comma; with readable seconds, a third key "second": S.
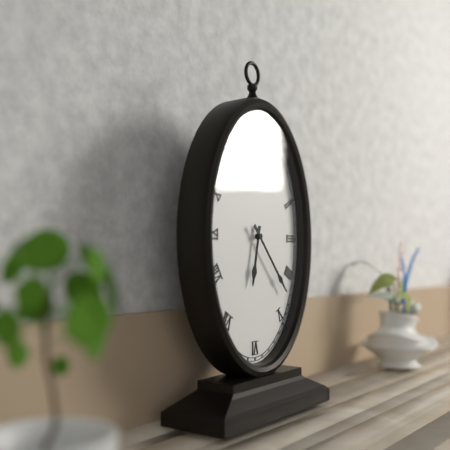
{"hour": 6, "minute": 23}
